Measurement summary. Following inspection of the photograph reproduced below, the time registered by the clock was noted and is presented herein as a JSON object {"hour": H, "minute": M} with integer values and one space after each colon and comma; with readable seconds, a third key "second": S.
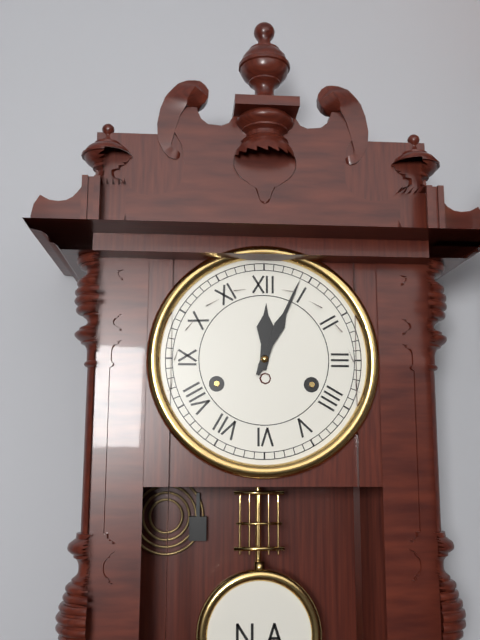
{"hour": 12, "minute": 4}
